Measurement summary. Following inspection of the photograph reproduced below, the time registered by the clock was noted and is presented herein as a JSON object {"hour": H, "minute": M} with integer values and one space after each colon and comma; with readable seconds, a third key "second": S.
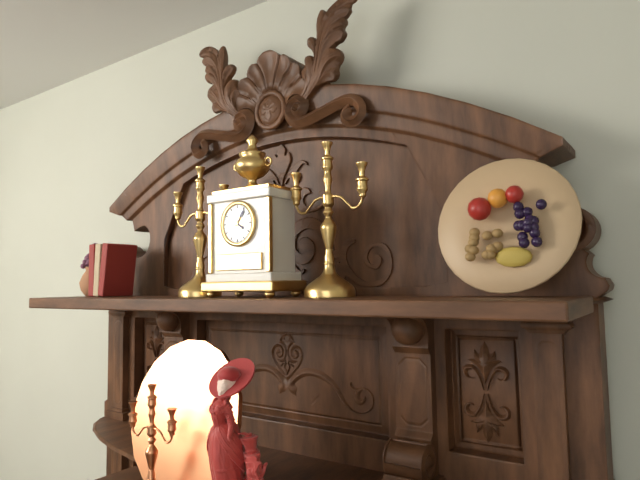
{"hour": 4, "minute": 6}
